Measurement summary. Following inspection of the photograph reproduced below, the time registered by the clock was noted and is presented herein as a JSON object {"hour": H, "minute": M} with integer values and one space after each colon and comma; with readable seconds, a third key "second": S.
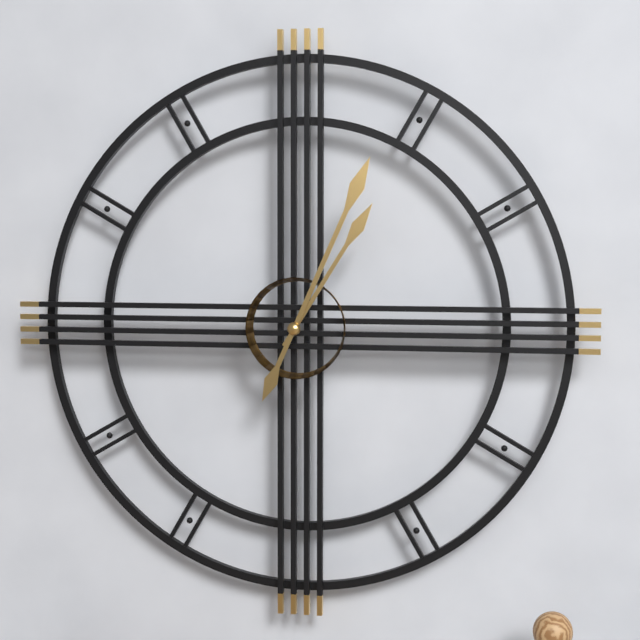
{"hour": 1, "minute": 4}
